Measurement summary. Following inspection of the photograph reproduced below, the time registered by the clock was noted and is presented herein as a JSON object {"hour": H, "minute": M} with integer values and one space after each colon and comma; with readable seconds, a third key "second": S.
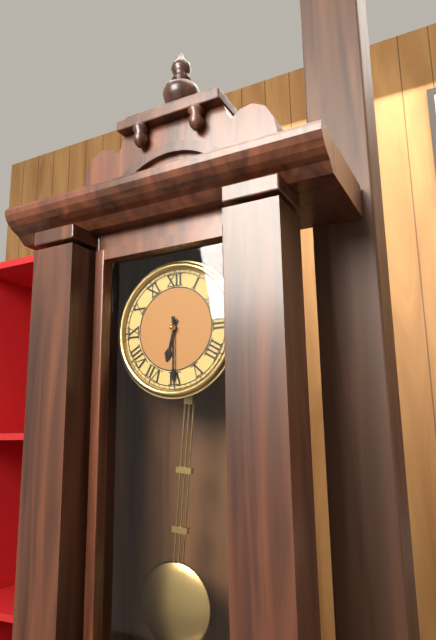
{"hour": 6, "minute": 30}
